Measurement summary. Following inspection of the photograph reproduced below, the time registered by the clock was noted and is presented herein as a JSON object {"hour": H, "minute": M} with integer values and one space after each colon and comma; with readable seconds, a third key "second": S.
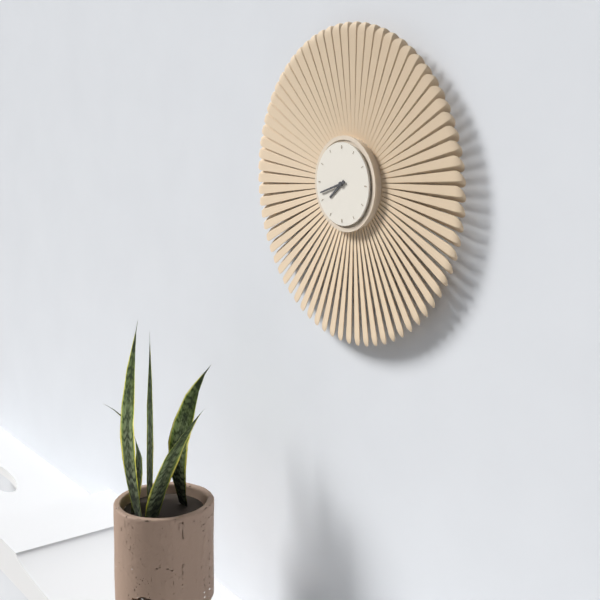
{"hour": 7, "minute": 42}
